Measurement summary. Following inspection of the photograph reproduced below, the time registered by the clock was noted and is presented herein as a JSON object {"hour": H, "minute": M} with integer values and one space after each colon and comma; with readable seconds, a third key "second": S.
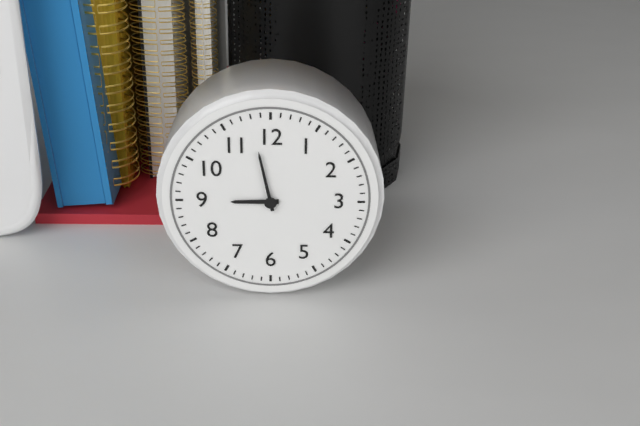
{"hour": 8, "minute": 58}
